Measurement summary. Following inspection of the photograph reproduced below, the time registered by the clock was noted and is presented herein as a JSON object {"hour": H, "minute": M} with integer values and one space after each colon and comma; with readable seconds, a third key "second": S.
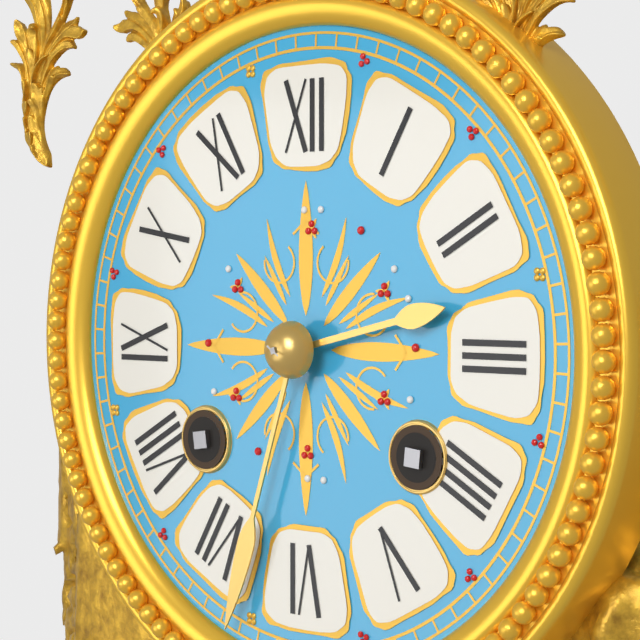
{"hour": 2, "minute": 33}
